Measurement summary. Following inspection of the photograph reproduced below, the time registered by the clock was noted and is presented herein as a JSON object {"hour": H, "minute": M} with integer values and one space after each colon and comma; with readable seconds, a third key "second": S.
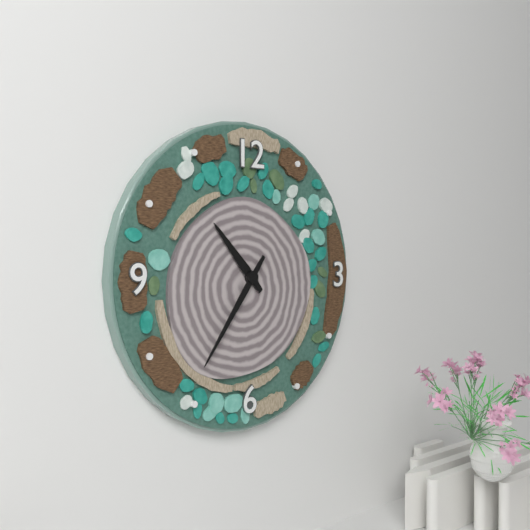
{"hour": 10, "minute": 36}
